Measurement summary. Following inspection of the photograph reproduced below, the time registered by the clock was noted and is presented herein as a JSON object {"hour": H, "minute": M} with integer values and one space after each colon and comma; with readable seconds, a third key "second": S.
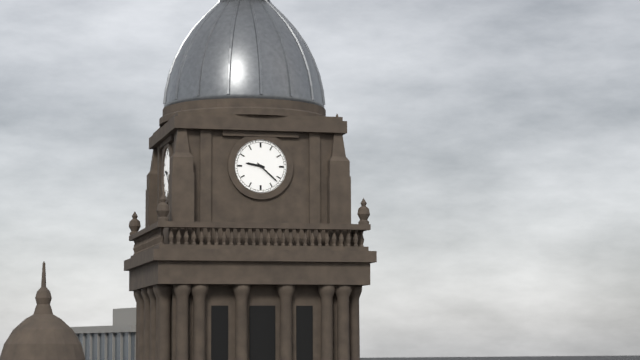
{"hour": 9, "minute": 22}
